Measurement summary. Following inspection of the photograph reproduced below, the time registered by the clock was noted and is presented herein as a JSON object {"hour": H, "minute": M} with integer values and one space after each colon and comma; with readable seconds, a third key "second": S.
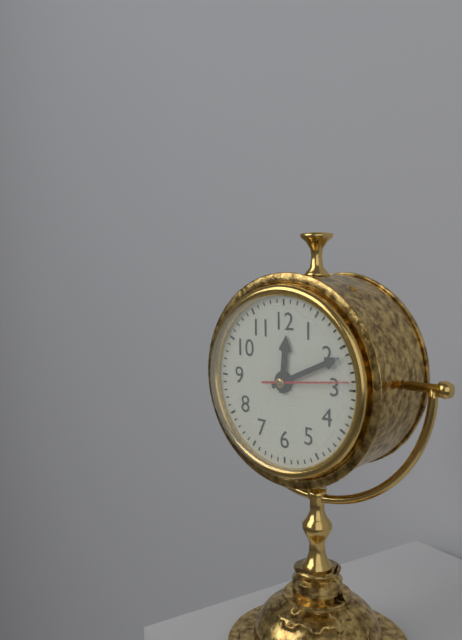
{"hour": 12, "minute": 11, "second": 14}
